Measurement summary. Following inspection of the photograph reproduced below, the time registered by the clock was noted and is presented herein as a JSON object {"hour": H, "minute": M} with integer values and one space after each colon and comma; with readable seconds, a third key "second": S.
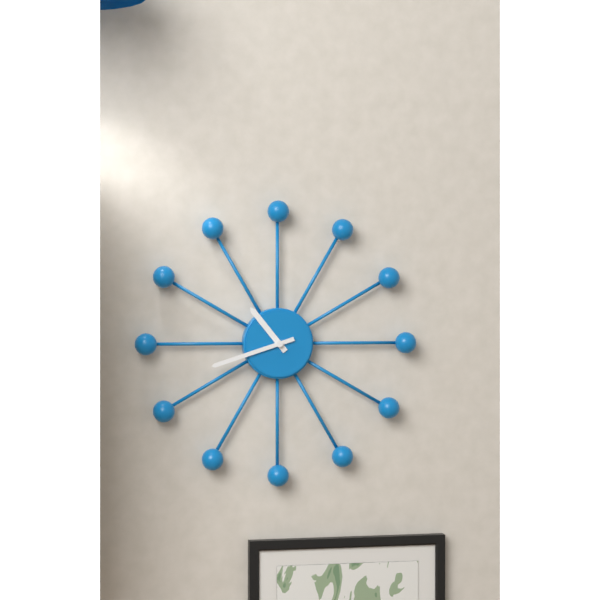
{"hour": 10, "minute": 42}
